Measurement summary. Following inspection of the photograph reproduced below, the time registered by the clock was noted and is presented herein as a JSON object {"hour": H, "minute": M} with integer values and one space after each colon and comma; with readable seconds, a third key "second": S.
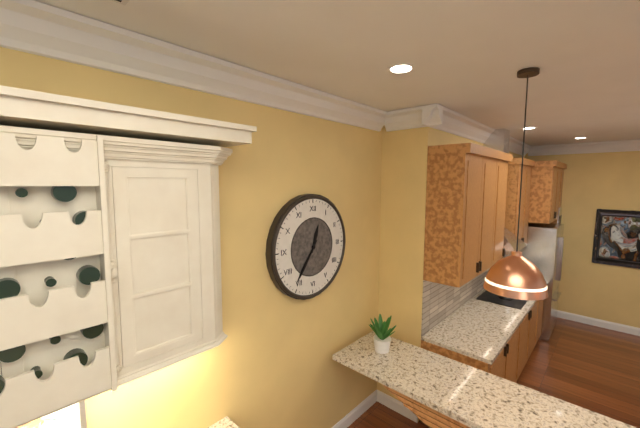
{"hour": 12, "minute": 36}
